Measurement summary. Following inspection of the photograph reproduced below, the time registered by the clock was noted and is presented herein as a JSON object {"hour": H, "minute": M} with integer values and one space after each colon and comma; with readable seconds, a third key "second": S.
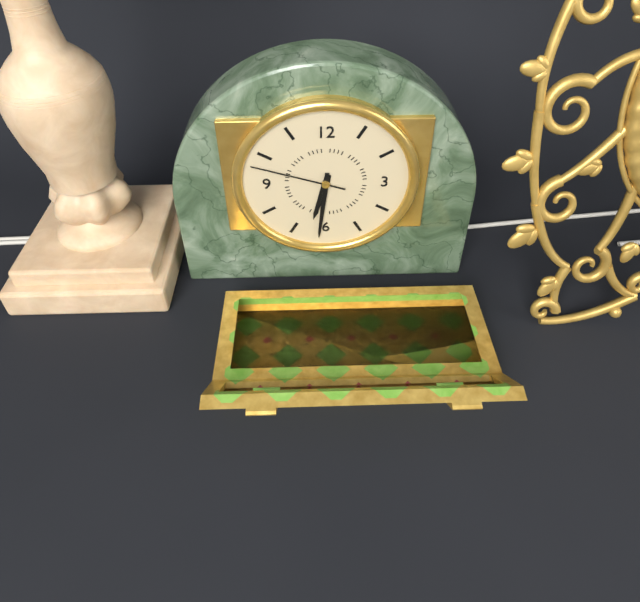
{"hour": 6, "minute": 31, "second": 48}
